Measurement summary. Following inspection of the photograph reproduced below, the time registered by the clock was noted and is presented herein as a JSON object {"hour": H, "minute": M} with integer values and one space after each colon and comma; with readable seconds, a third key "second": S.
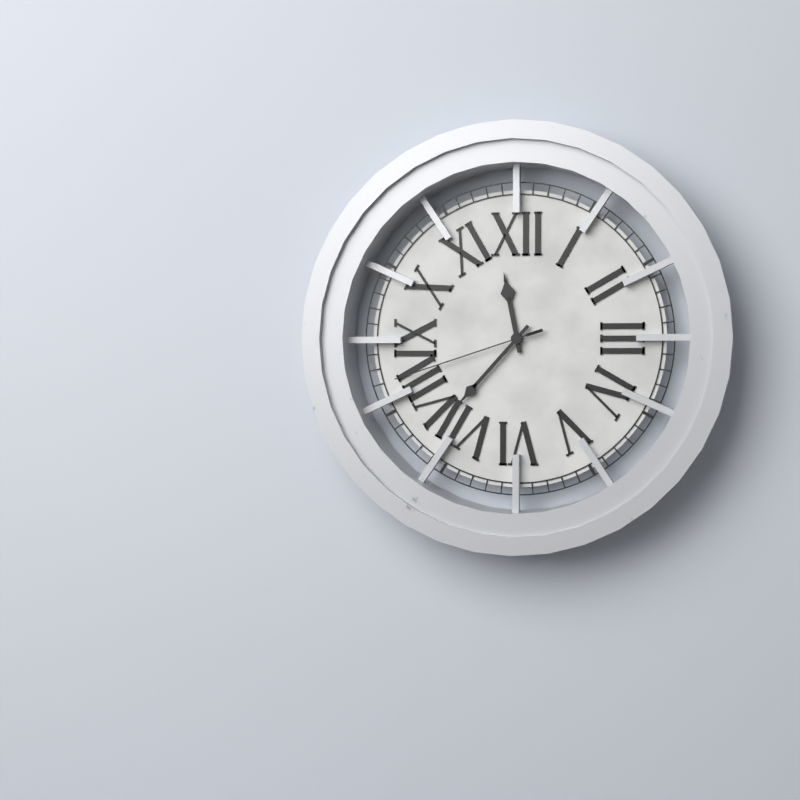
{"hour": 11, "minute": 37, "second": 42}
